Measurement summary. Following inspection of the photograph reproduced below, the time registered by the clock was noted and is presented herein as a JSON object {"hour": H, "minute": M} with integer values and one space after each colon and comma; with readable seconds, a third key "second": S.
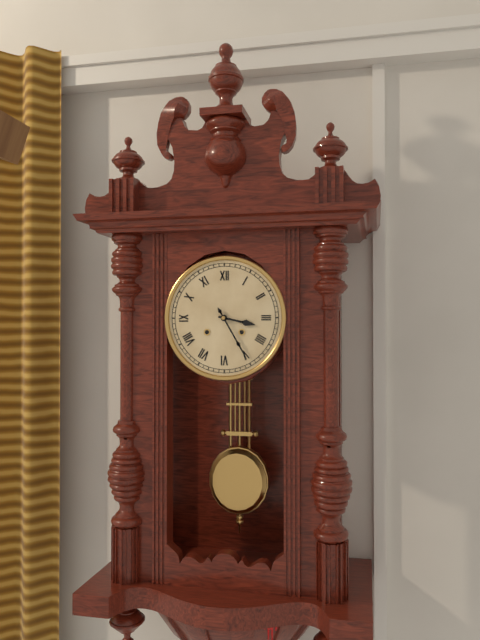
{"hour": 3, "minute": 25}
